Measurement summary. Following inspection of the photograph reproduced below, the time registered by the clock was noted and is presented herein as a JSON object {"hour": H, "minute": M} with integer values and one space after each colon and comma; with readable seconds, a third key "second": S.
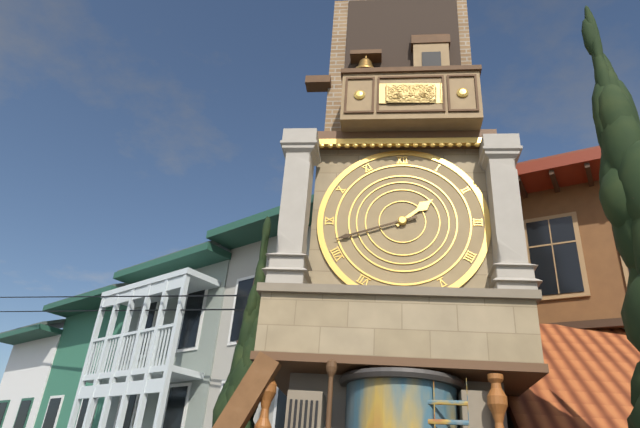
{"hour": 1, "minute": 42}
